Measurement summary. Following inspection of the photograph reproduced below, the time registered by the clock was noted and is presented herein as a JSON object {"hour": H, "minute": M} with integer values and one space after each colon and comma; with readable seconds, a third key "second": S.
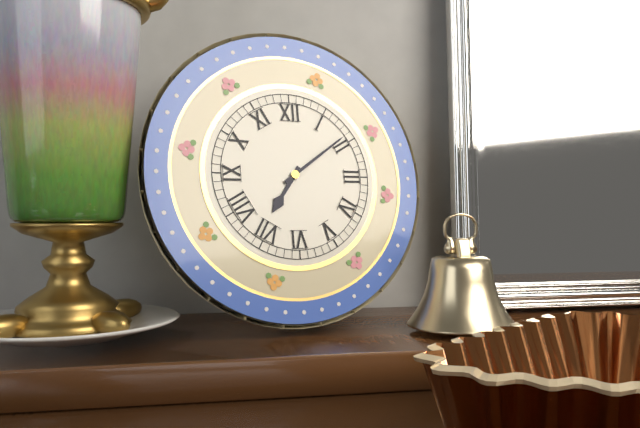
{"hour": 7, "minute": 9}
